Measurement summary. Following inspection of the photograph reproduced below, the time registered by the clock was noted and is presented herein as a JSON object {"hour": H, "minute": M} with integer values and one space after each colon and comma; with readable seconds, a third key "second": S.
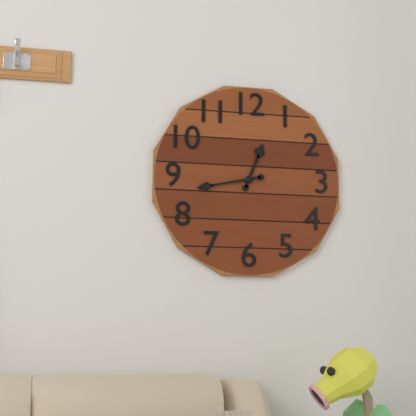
{"hour": 12, "minute": 43}
